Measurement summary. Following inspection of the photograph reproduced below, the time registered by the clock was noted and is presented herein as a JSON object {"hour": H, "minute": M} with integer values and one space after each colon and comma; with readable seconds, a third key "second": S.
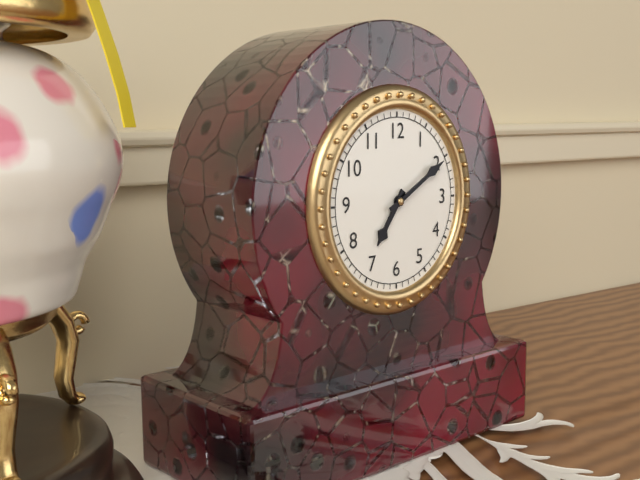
{"hour": 7, "minute": 10}
